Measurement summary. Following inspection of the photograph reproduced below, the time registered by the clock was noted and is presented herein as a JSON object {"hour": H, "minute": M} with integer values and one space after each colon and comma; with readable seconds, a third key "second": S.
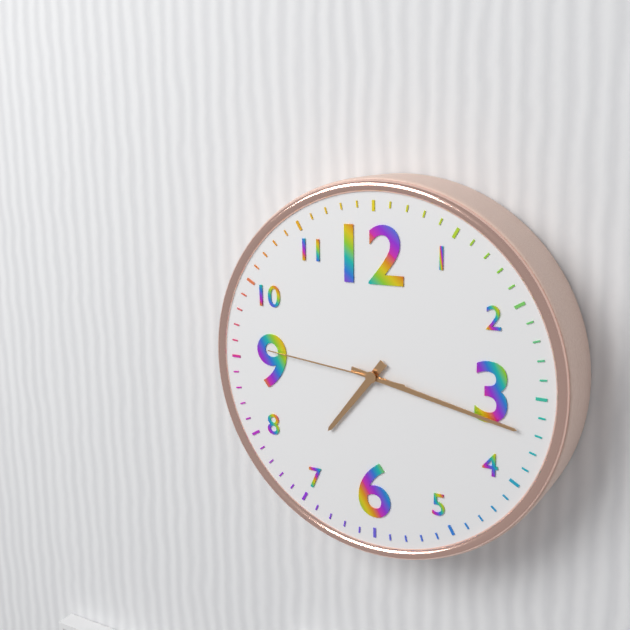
{"hour": 7, "minute": 17, "second": 46}
